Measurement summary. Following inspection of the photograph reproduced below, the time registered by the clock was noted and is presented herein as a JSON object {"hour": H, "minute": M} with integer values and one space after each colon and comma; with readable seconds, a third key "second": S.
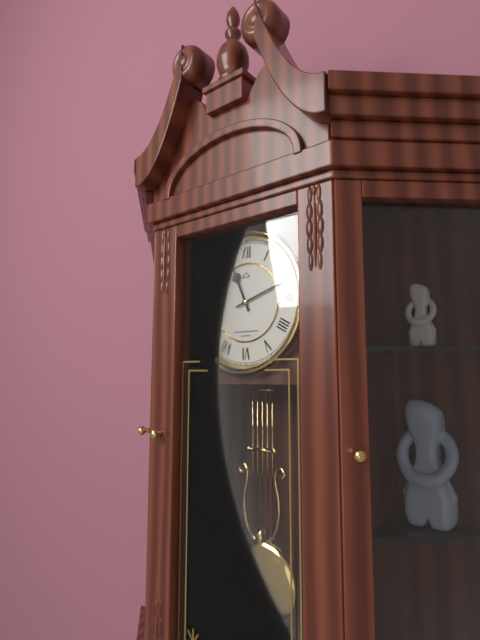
{"hour": 11, "minute": 12}
